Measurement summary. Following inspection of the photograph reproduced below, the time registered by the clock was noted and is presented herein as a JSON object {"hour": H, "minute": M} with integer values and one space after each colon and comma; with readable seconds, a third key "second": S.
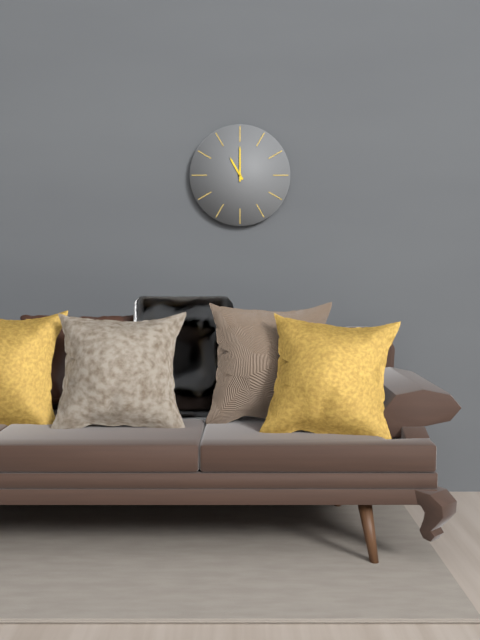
{"hour": 11, "minute": 0}
